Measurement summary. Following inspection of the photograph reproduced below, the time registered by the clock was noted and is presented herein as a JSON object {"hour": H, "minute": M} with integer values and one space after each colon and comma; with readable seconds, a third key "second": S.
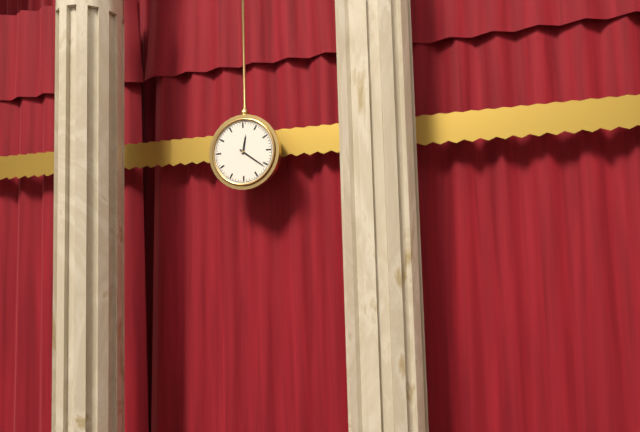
{"hour": 12, "minute": 21}
